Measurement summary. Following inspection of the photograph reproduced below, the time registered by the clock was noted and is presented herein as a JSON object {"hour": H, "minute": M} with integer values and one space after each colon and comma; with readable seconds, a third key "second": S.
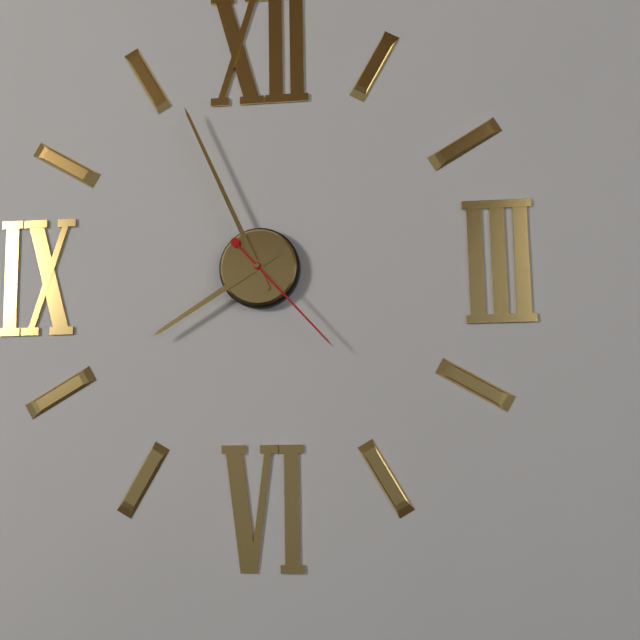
{"hour": 7, "minute": 56, "second": 23}
